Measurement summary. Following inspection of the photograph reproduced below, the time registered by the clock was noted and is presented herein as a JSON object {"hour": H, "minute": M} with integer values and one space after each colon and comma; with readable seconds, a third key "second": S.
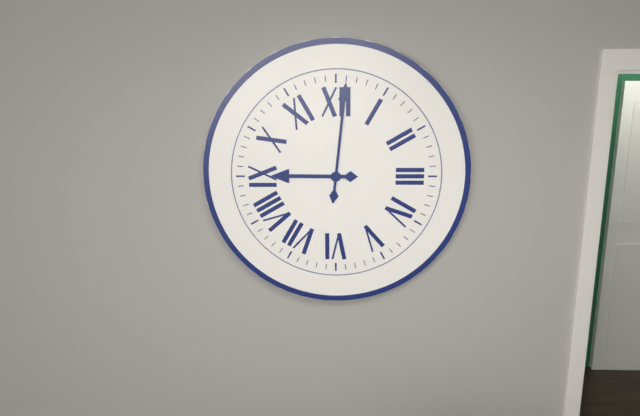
{"hour": 9, "minute": 1}
